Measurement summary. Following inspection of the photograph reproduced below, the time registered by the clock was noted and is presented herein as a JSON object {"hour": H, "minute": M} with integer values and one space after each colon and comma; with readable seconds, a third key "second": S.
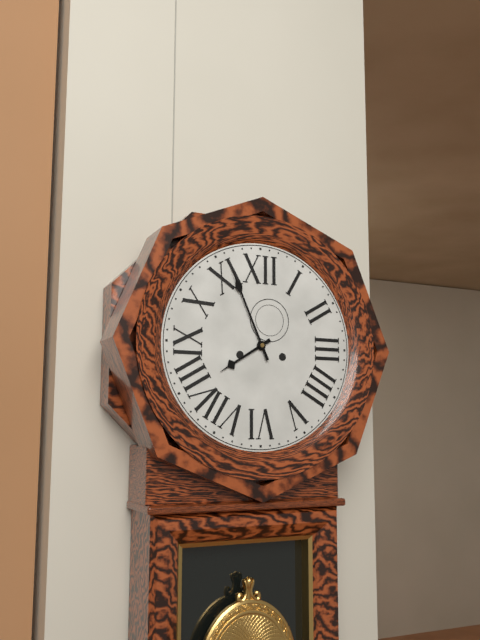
{"hour": 7, "minute": 56}
